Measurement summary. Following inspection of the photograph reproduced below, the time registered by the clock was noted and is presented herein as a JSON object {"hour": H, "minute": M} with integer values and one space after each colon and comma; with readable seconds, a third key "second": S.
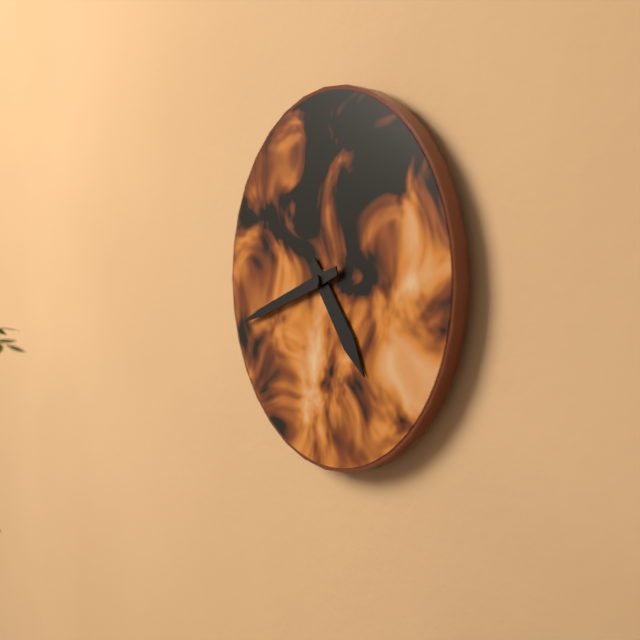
{"hour": 4, "minute": 42}
